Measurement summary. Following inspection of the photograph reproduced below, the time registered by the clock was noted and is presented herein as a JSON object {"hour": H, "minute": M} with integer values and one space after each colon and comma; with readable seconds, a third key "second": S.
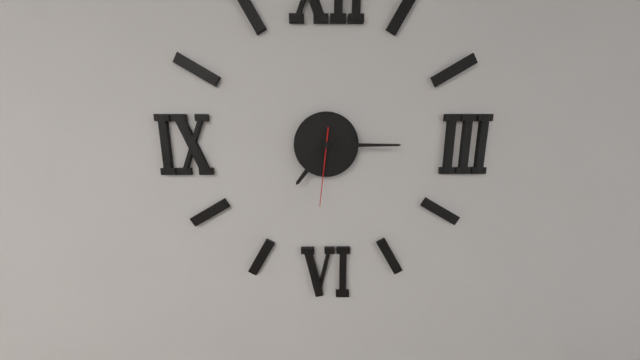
{"hour": 7, "minute": 15, "second": 31}
